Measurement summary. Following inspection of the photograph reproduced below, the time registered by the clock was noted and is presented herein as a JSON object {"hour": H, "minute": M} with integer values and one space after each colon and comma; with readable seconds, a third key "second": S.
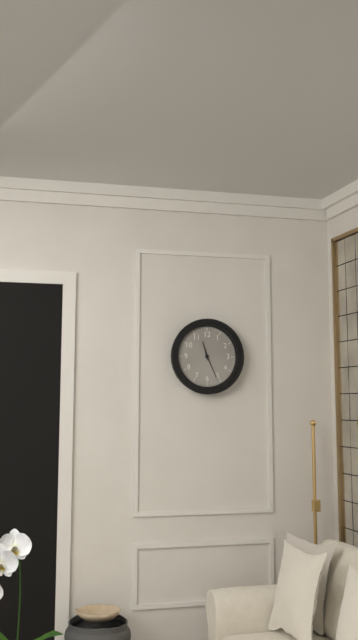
{"hour": 11, "minute": 26}
